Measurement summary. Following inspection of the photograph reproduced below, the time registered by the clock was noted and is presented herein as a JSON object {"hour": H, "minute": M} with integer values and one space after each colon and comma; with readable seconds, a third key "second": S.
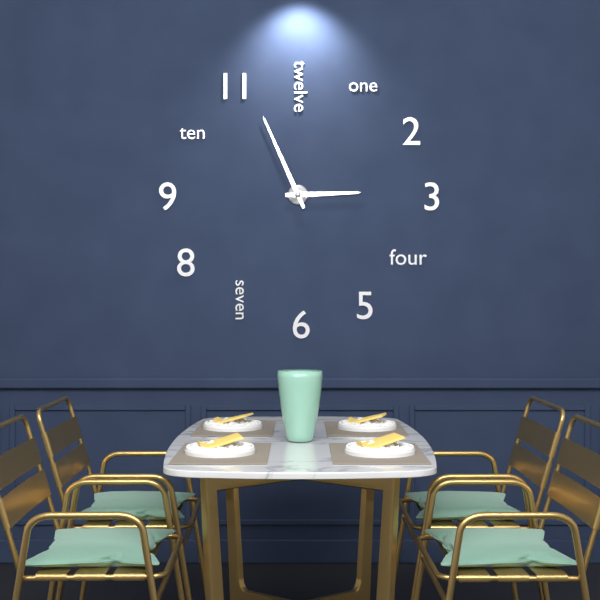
{"hour": 2, "minute": 56}
